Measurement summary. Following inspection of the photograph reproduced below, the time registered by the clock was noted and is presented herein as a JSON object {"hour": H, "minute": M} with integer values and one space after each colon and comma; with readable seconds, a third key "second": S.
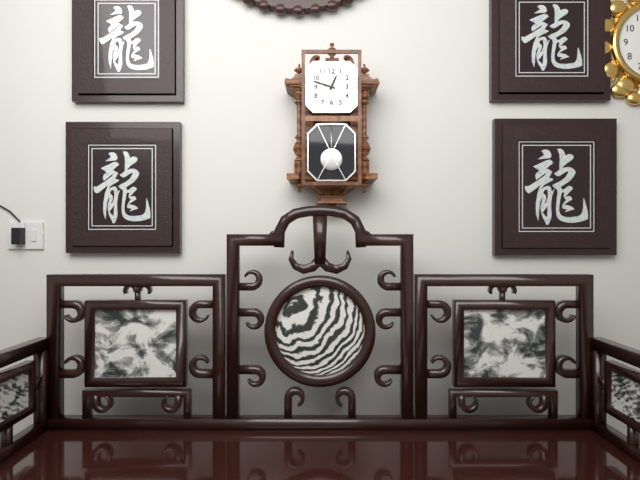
{"hour": 12, "minute": 48}
